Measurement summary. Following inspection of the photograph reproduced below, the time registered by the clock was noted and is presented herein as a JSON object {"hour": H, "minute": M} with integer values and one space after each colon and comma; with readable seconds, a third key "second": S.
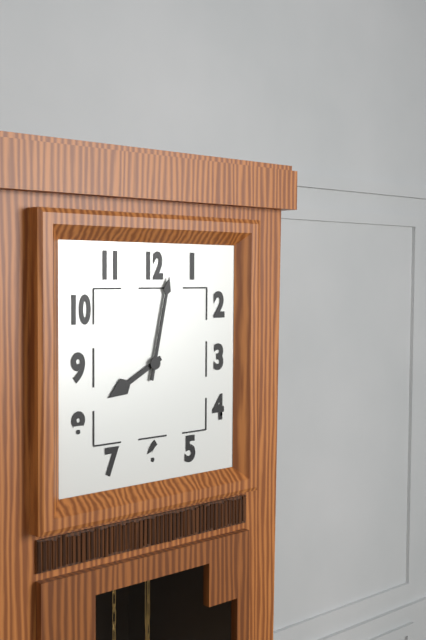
{"hour": 8, "minute": 2}
